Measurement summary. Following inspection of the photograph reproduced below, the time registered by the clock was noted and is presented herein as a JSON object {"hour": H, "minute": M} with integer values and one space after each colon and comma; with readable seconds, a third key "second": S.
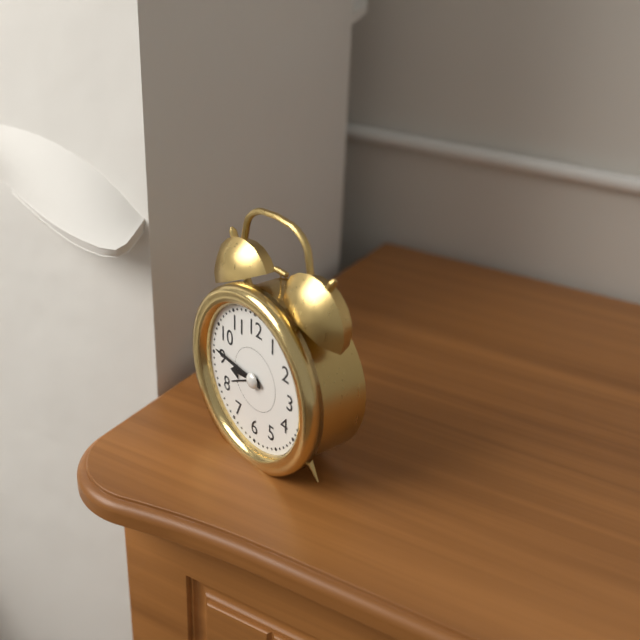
{"hour": 8, "minute": 46}
